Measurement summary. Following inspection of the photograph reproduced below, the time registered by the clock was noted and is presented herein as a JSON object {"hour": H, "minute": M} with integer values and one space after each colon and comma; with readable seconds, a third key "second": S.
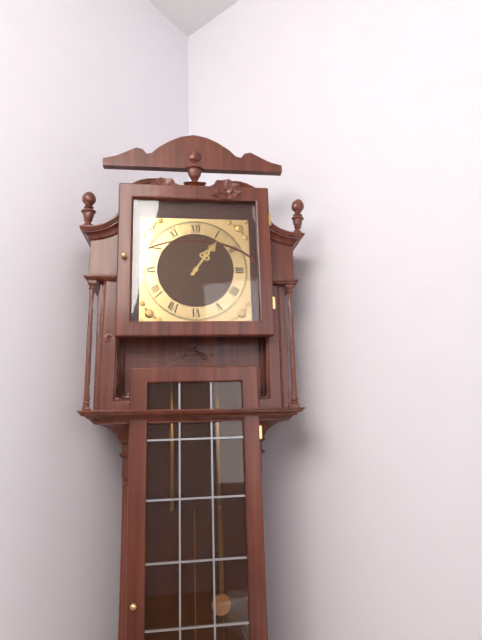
{"hour": 1, "minute": 6}
